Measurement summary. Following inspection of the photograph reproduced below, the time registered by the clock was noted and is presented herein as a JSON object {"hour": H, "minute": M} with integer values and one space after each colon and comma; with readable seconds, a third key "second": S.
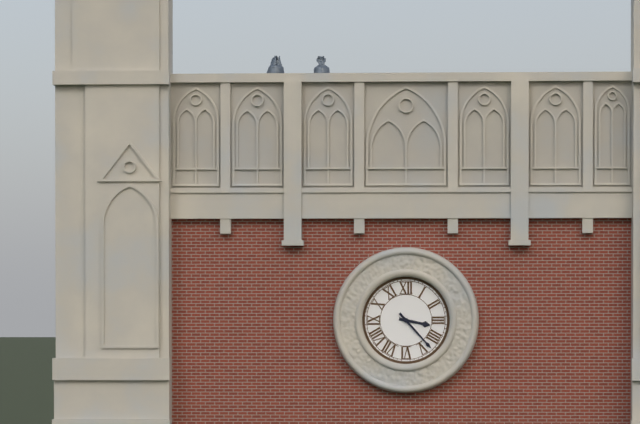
{"hour": 3, "minute": 23}
